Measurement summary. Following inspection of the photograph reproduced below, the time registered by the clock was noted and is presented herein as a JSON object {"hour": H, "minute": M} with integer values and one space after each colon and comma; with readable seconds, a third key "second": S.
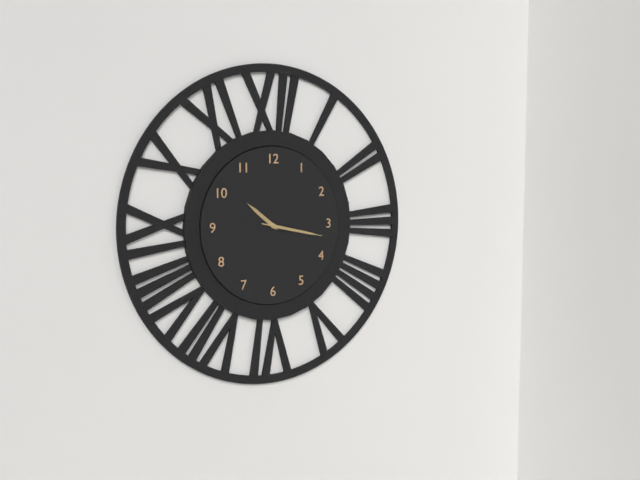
{"hour": 10, "minute": 17, "second": 17}
